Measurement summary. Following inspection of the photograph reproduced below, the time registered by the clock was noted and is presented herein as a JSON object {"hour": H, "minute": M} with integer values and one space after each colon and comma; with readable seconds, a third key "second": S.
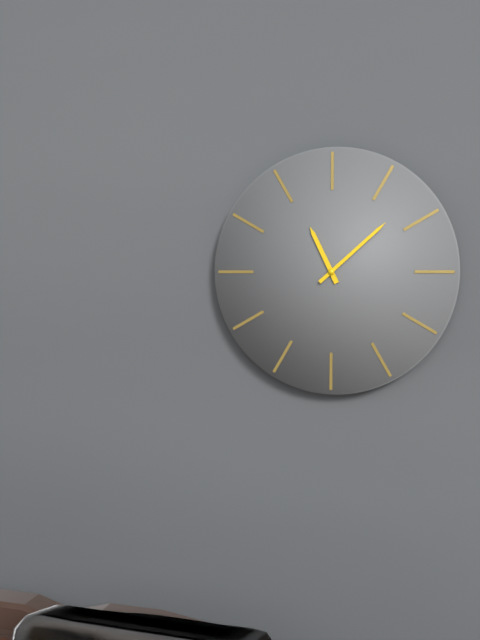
{"hour": 11, "minute": 8}
